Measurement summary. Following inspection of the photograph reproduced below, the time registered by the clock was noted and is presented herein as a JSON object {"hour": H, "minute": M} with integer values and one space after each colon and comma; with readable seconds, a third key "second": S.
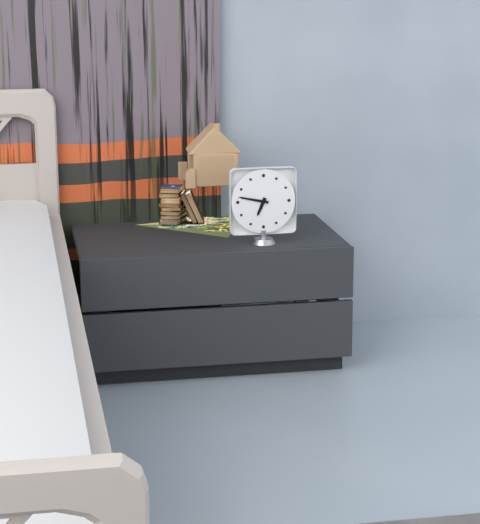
{"hour": 6, "minute": 47}
